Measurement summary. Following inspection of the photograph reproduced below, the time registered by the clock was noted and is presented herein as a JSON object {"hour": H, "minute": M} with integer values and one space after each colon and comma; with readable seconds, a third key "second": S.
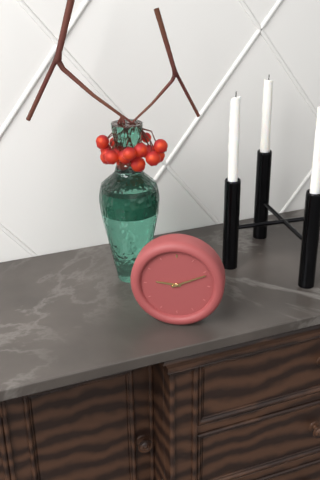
{"hour": 9, "minute": 11}
